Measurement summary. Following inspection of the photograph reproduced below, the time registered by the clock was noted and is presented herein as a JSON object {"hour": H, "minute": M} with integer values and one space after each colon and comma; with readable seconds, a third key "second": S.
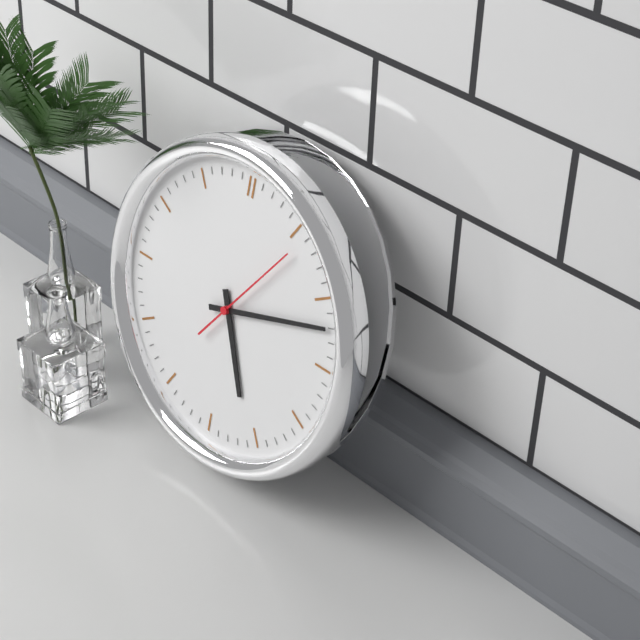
{"hour": 5, "minute": 12, "second": 6}
